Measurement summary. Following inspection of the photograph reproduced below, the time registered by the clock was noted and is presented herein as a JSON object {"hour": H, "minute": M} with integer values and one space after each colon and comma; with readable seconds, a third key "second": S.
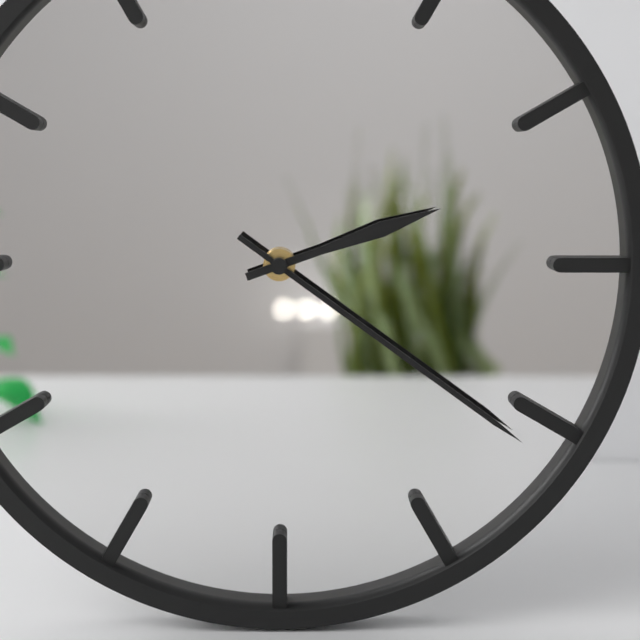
{"hour": 2, "minute": 21}
